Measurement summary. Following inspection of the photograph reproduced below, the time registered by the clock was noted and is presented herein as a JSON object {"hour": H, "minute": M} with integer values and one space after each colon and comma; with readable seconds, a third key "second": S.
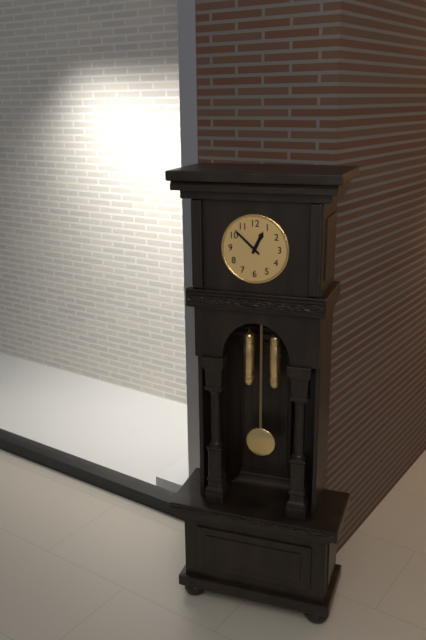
{"hour": 12, "minute": 52}
